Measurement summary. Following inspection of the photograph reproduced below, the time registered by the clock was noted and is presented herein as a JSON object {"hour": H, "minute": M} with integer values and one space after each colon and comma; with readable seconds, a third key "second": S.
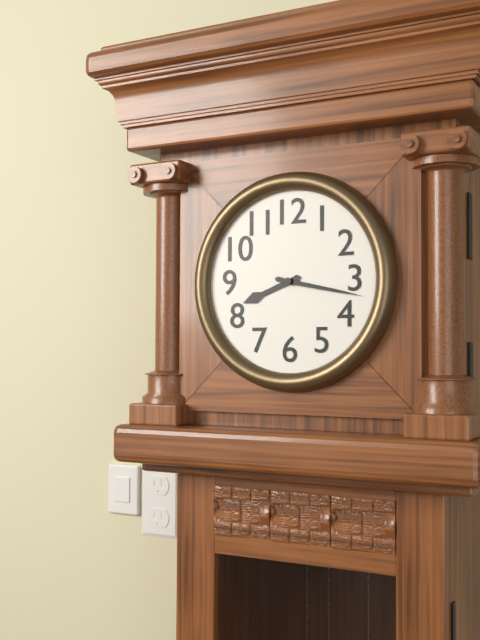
{"hour": 8, "minute": 17}
